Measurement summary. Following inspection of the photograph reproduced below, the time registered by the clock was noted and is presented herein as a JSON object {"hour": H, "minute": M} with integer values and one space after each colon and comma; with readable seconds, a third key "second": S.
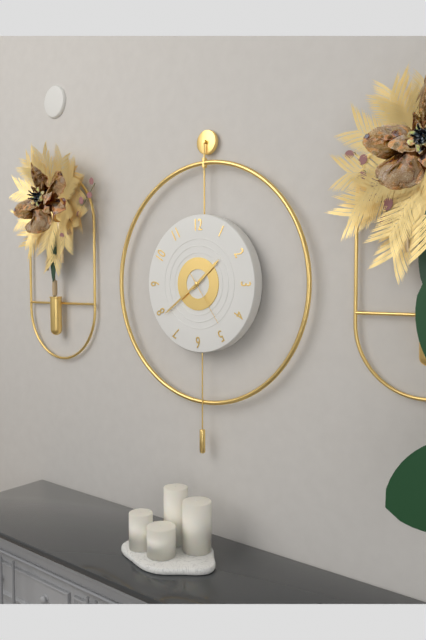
{"hour": 1, "minute": 39, "second": 24}
